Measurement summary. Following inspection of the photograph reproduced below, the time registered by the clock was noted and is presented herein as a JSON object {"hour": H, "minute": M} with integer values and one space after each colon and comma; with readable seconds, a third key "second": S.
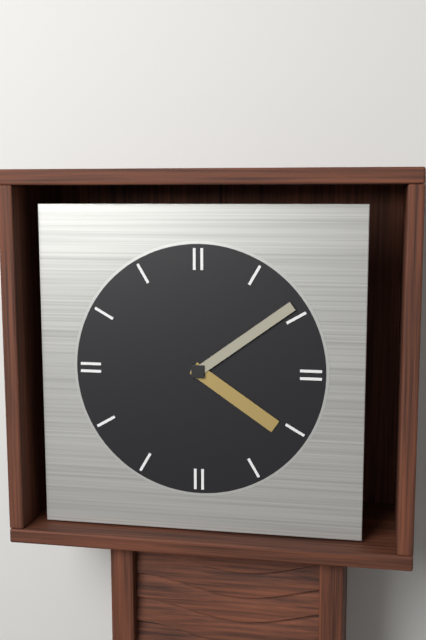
{"hour": 4, "minute": 9}
